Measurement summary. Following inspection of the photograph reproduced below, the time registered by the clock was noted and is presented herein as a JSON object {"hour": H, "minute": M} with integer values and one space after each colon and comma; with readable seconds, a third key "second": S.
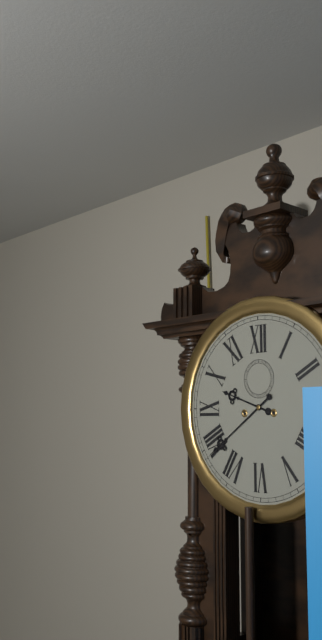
{"hour": 9, "minute": 39}
